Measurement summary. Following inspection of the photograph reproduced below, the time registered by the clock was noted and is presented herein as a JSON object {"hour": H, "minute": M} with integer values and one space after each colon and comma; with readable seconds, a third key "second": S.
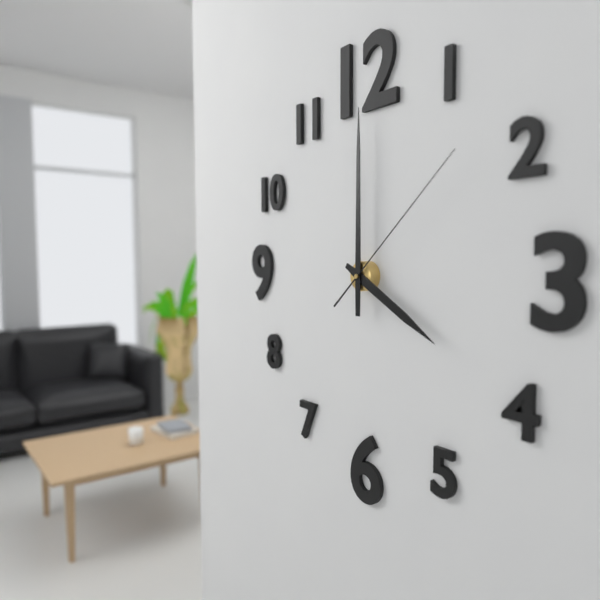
{"hour": 4, "minute": 0, "second": 8}
